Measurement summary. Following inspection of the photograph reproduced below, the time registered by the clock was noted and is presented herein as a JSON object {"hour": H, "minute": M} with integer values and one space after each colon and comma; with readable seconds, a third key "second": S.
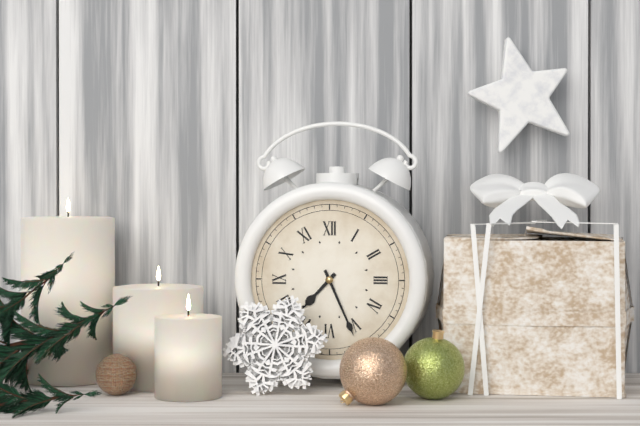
{"hour": 7, "minute": 26}
